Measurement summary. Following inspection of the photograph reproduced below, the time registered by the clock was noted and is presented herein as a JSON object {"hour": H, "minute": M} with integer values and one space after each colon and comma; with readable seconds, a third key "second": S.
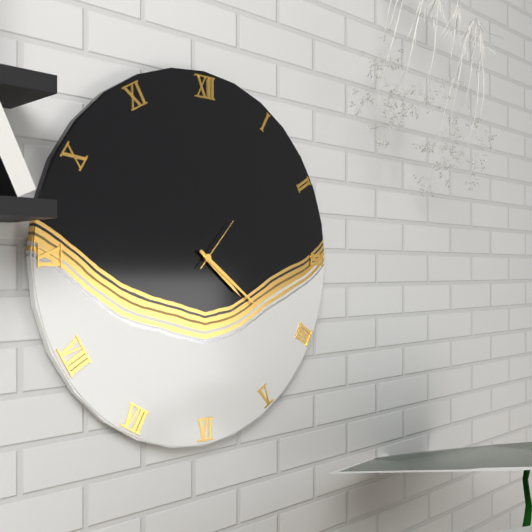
{"hour": 4, "minute": 21, "second": 7}
